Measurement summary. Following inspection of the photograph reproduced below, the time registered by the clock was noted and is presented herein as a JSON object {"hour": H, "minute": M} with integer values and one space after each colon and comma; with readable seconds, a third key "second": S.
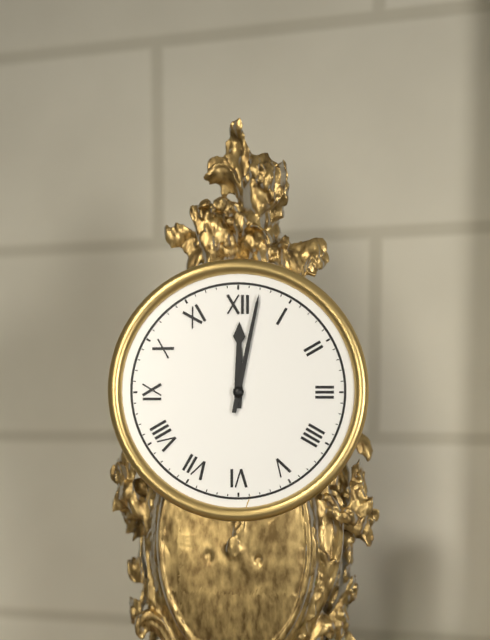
{"hour": 12, "minute": 2}
